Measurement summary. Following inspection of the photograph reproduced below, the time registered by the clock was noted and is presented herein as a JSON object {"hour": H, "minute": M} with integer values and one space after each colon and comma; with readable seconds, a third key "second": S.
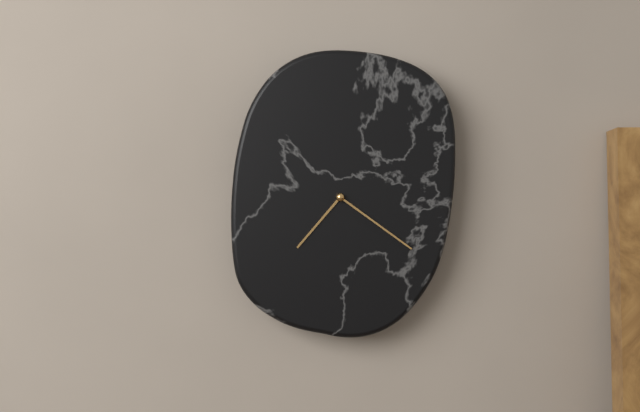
{"hour": 7, "minute": 21}
